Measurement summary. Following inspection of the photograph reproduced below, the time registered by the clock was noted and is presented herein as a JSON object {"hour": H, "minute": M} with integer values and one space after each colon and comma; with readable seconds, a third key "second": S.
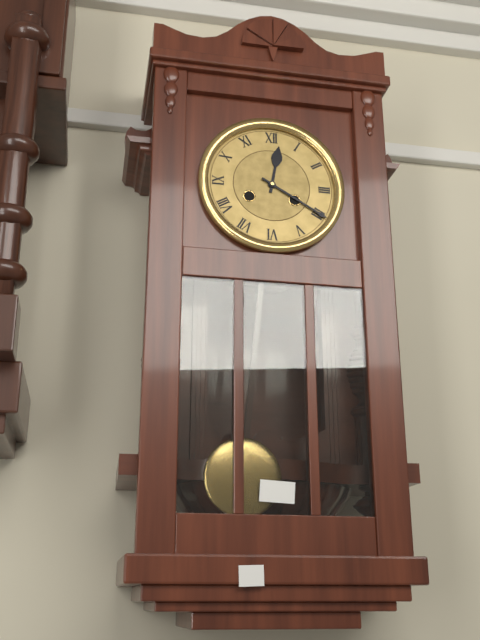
{"hour": 12, "minute": 20}
